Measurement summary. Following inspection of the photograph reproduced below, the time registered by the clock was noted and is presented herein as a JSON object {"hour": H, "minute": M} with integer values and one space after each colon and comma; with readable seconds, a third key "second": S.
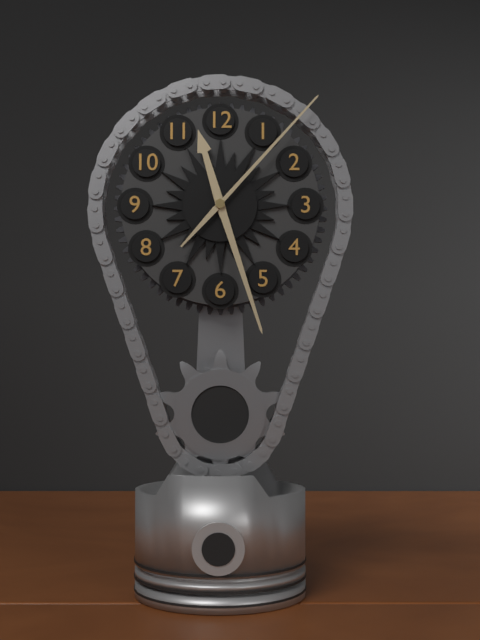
{"hour": 11, "minute": 27, "second": 7}
